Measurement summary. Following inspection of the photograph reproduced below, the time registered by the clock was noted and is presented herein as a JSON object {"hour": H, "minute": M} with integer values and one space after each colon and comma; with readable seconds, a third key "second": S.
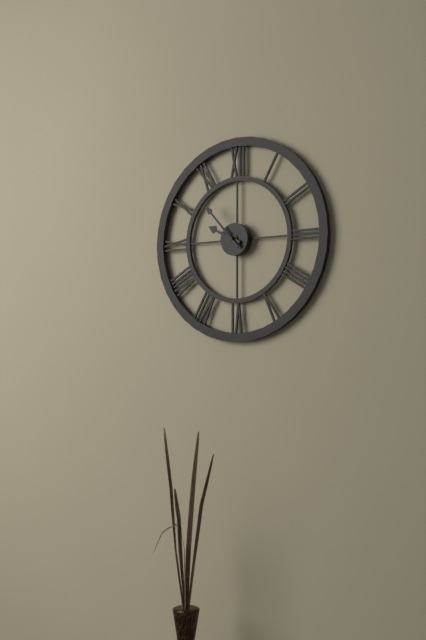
{"hour": 9, "minute": 53}
